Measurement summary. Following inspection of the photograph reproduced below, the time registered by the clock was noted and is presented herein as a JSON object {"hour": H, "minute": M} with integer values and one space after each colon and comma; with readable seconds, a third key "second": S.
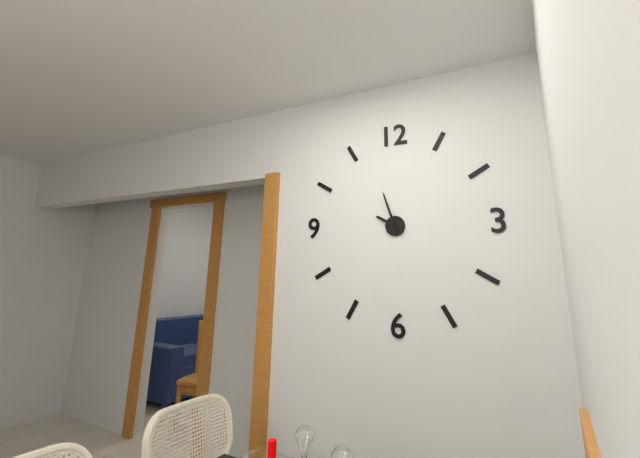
{"hour": 9, "minute": 57}
